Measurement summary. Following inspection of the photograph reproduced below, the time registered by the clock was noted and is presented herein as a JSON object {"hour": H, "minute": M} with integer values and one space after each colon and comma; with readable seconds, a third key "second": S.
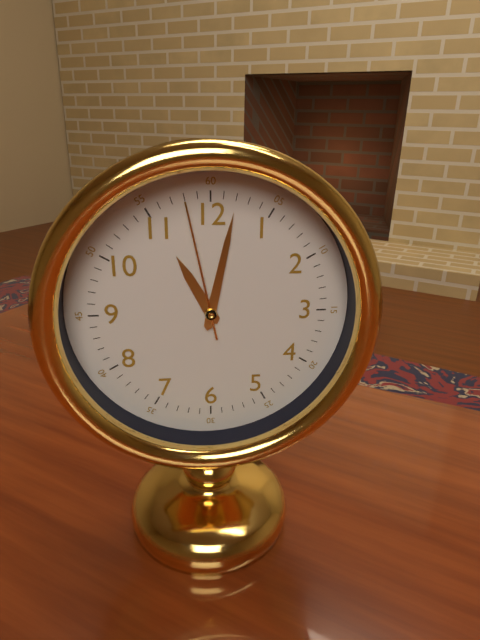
{"hour": 11, "minute": 2, "second": 58}
